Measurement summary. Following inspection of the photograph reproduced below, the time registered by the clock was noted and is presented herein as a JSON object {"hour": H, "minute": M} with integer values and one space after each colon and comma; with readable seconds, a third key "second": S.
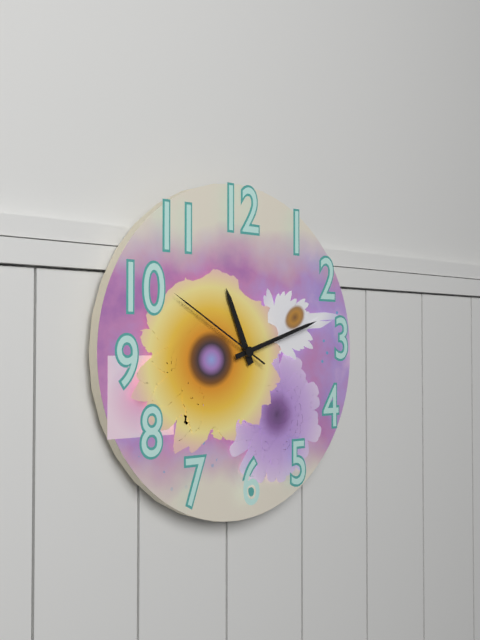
{"hour": 11, "minute": 12, "second": 50}
